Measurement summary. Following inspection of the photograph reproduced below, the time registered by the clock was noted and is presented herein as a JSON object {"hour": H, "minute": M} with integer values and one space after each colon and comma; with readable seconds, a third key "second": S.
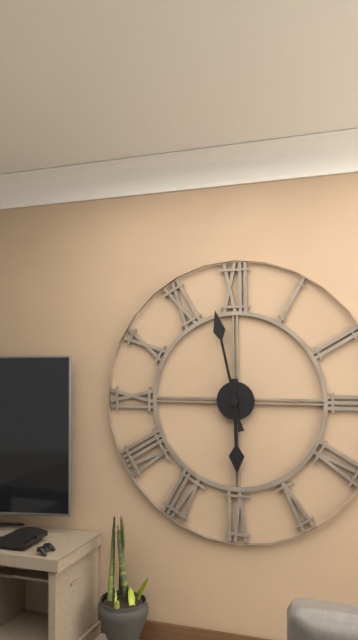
{"hour": 5, "minute": 58}
